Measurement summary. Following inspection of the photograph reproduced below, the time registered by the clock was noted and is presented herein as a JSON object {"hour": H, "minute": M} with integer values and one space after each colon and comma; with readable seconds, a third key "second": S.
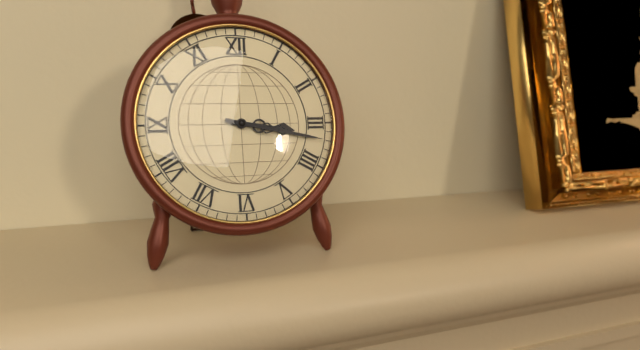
{"hour": 3, "minute": 17}
